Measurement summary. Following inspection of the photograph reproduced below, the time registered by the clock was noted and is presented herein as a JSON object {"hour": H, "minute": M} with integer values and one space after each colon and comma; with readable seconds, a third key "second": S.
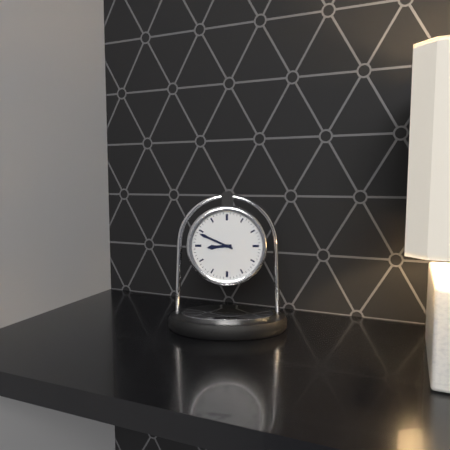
{"hour": 8, "minute": 49}
